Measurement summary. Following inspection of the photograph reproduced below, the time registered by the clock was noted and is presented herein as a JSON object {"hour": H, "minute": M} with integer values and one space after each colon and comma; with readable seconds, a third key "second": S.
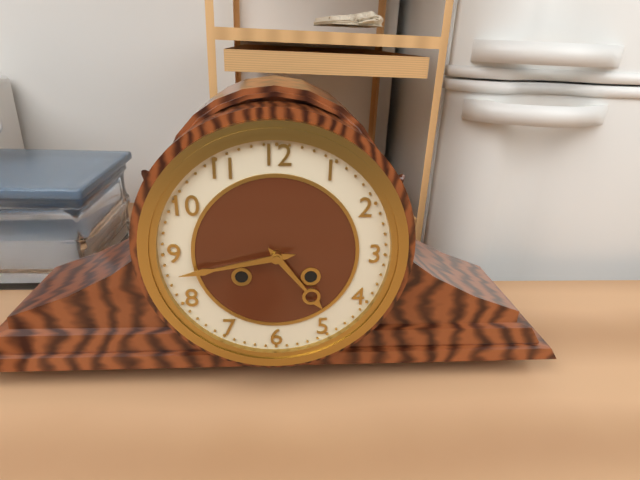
{"hour": 4, "minute": 43}
